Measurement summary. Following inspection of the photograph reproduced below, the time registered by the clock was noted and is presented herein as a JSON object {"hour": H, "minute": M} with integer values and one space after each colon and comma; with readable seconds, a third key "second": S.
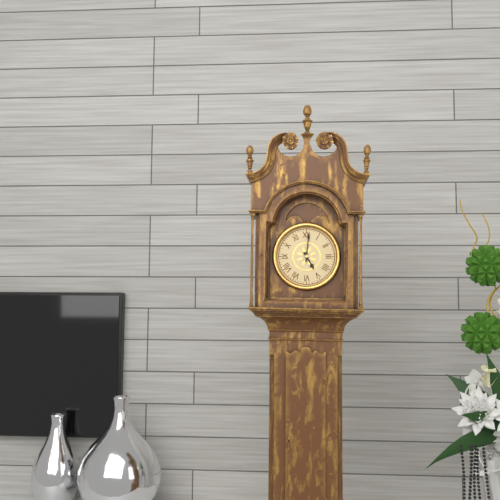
{"hour": 5, "minute": 1}
